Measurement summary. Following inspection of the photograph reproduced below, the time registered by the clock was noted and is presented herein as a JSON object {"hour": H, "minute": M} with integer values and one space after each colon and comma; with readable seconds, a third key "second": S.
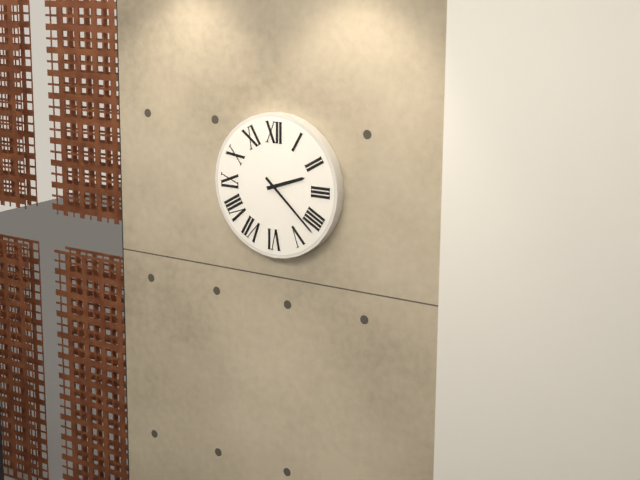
{"hour": 2, "minute": 22}
